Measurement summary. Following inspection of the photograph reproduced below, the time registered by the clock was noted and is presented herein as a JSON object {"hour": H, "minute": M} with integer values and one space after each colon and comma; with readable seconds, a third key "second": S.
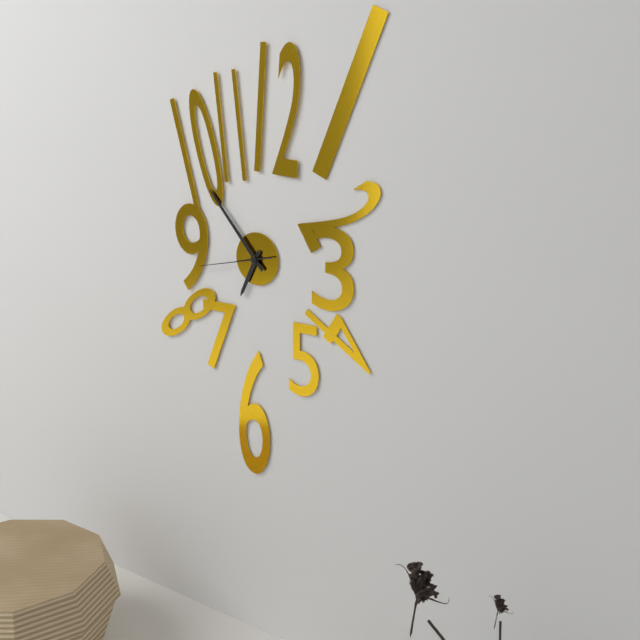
{"hour": 6, "minute": 53, "second": 43}
